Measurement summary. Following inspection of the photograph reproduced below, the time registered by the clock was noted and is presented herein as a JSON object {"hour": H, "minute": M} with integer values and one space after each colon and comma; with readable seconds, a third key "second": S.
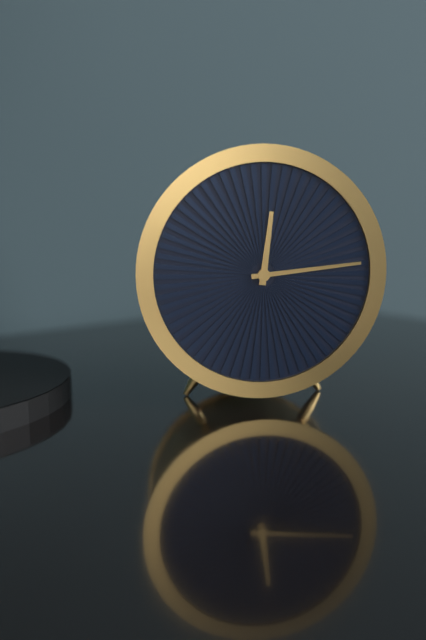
{"hour": 12, "minute": 14}
